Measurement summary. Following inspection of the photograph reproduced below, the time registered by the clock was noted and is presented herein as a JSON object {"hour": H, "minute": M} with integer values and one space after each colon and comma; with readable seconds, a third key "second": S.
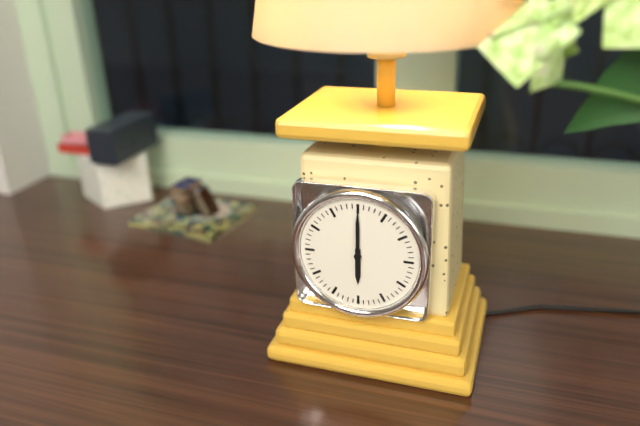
{"hour": 6, "minute": 0}
